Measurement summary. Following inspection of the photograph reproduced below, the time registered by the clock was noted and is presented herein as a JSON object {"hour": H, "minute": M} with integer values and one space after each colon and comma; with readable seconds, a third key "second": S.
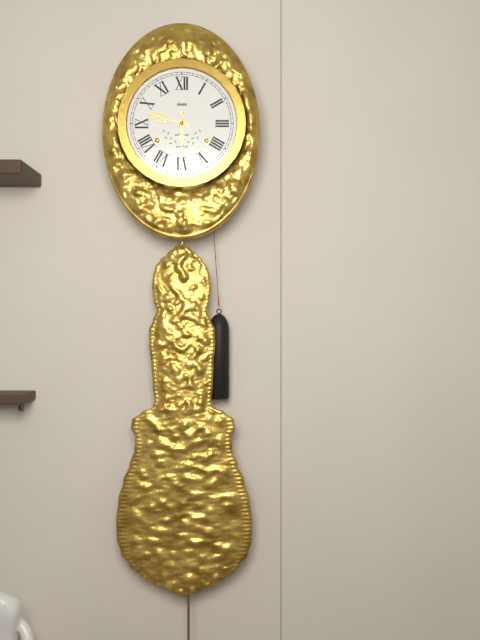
{"hour": 9, "minute": 30}
